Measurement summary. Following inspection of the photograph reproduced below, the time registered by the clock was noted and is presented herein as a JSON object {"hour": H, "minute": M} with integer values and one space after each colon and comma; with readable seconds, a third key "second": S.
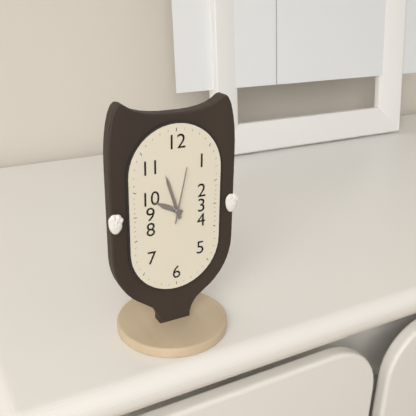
{"hour": 9, "minute": 57, "second": 2}
